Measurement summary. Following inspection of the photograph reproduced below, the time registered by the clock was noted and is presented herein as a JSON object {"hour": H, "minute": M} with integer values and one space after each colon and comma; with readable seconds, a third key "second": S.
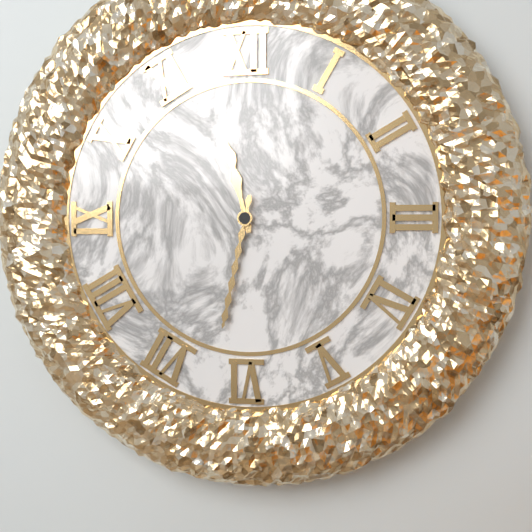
{"hour": 11, "minute": 32}
